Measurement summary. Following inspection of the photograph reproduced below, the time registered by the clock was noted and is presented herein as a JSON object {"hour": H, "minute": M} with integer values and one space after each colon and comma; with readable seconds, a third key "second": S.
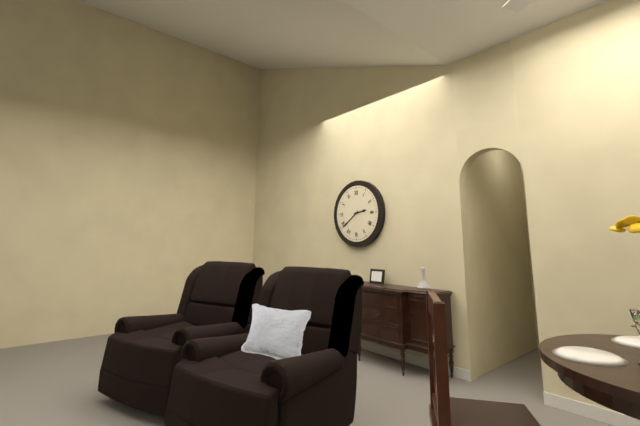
{"hour": 2, "minute": 39}
